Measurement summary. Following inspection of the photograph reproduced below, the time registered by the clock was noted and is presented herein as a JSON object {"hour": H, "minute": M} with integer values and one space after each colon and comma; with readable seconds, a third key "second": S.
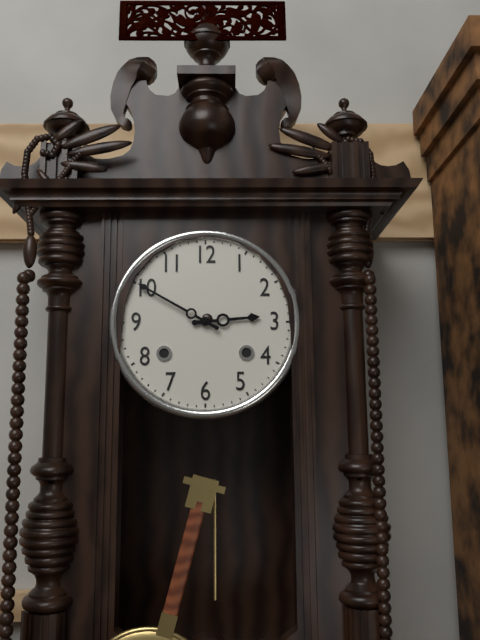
{"hour": 2, "minute": 50}
